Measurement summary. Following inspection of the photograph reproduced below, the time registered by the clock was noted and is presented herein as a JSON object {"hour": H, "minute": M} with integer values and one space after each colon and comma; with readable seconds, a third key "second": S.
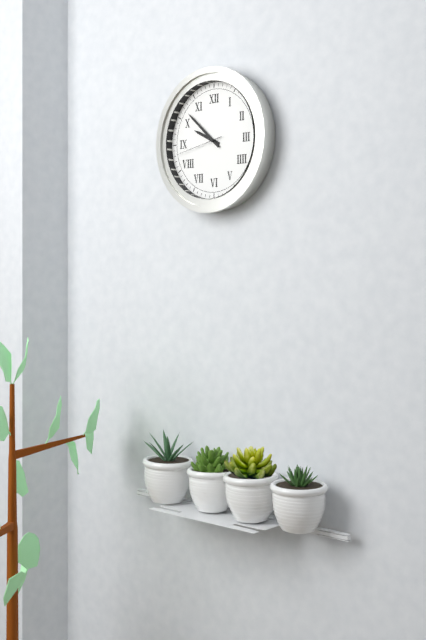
{"hour": 9, "minute": 52}
